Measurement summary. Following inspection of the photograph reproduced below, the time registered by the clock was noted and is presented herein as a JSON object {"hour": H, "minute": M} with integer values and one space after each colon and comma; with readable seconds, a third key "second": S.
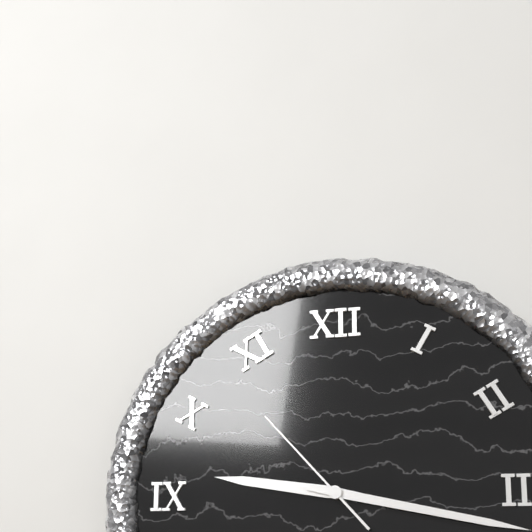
{"hour": 9, "minute": 17, "second": 53}
